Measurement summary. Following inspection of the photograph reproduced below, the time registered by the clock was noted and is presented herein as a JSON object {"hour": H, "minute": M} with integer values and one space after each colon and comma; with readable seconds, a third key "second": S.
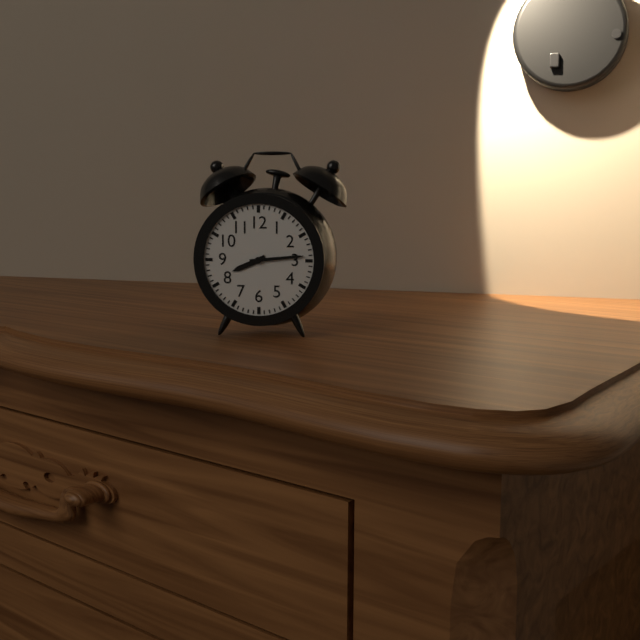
{"hour": 8, "minute": 14}
